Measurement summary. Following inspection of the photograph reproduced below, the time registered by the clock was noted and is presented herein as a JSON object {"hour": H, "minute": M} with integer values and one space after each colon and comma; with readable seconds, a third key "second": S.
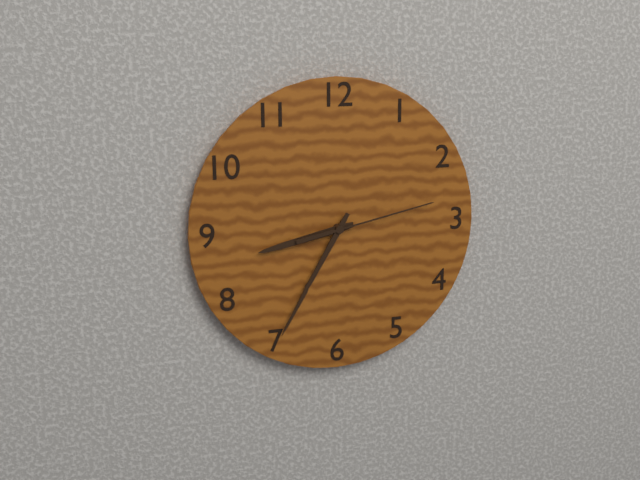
{"hour": 8, "minute": 35, "second": 13}
